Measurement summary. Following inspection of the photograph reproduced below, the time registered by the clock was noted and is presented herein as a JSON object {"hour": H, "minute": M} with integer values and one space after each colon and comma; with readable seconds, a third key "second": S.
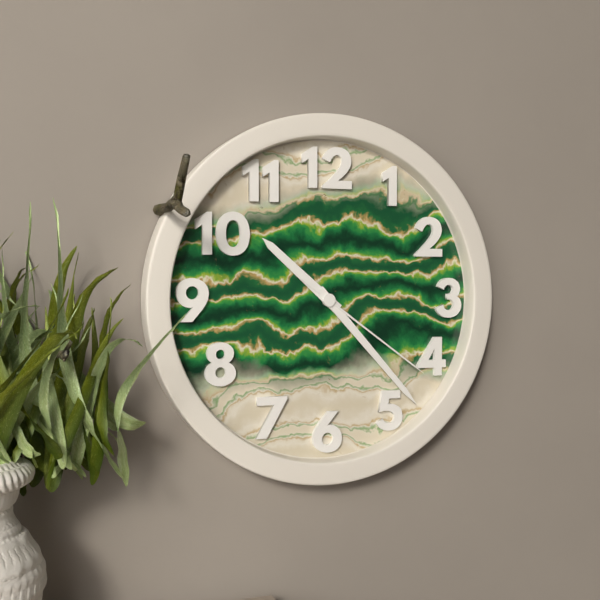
{"hour": 10, "minute": 23, "second": 21}
